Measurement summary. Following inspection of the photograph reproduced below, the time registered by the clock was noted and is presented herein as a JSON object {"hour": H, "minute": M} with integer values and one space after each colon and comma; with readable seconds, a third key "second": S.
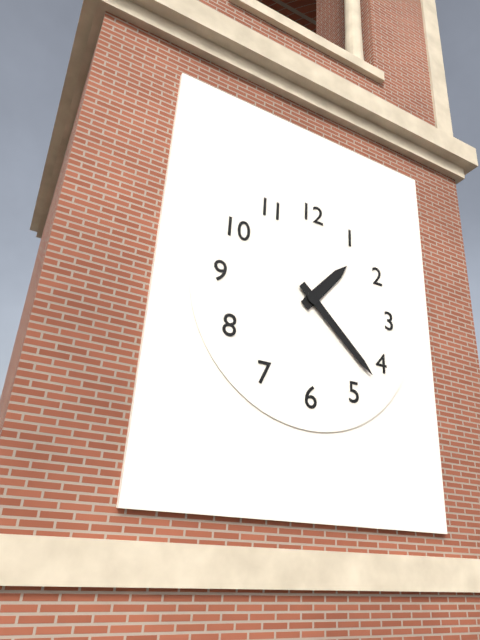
{"hour": 1, "minute": 22}
